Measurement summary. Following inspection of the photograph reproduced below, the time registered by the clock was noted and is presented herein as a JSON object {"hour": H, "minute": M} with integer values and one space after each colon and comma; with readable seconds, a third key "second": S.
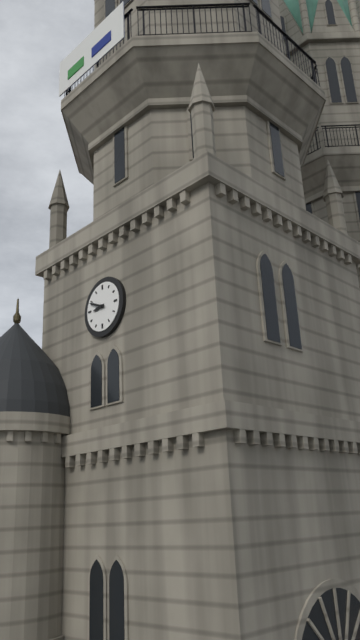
{"hour": 8, "minute": 49}
